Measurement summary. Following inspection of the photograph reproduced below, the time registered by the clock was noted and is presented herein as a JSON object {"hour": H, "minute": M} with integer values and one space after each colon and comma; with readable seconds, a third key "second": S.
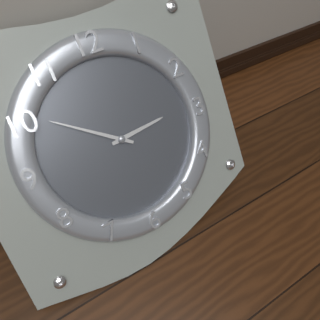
{"hour": 2, "minute": 51}
